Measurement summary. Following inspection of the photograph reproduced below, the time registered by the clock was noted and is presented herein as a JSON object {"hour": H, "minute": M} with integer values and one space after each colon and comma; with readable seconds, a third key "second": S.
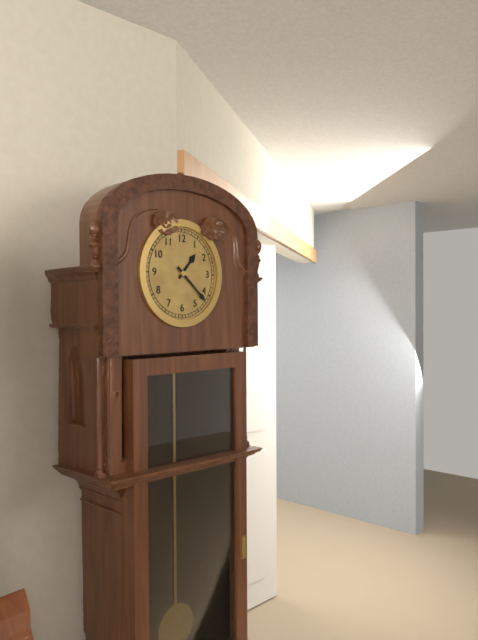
{"hour": 1, "minute": 22}
